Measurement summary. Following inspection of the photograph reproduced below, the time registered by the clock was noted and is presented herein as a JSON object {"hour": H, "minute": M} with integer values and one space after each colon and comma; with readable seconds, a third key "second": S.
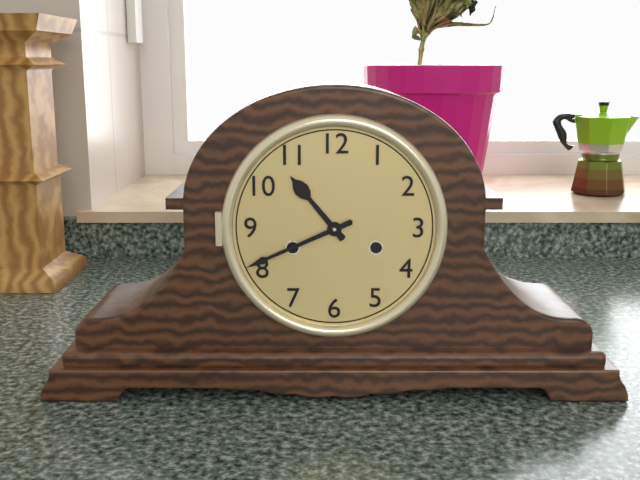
{"hour": 10, "minute": 41}
